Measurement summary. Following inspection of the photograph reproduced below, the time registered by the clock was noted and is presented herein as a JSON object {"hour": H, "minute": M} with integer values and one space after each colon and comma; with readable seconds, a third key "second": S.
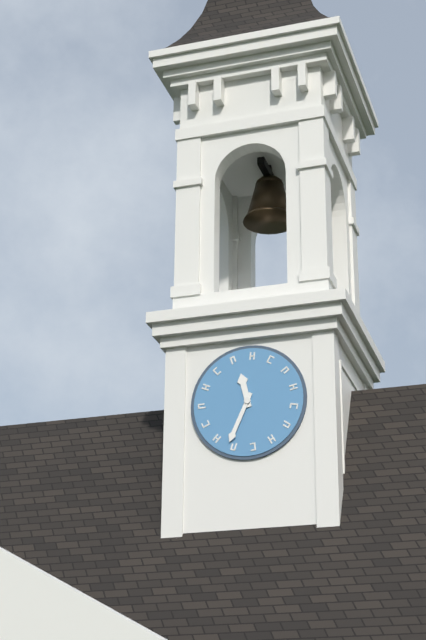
{"hour": 11, "minute": 34}
